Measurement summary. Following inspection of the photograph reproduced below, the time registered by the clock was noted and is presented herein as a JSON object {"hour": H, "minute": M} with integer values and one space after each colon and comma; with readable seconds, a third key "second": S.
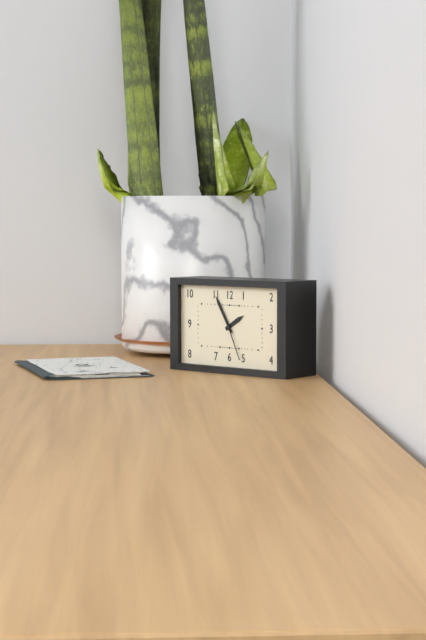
{"hour": 1, "minute": 55}
